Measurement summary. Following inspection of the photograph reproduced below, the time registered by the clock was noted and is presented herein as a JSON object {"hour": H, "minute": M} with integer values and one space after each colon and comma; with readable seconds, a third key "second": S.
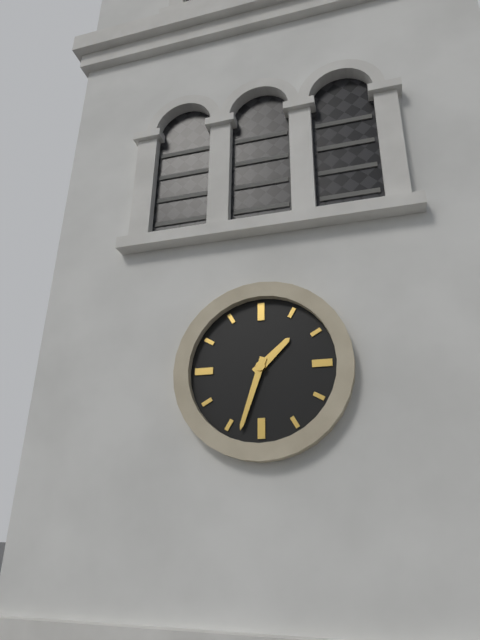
{"hour": 1, "minute": 33}
